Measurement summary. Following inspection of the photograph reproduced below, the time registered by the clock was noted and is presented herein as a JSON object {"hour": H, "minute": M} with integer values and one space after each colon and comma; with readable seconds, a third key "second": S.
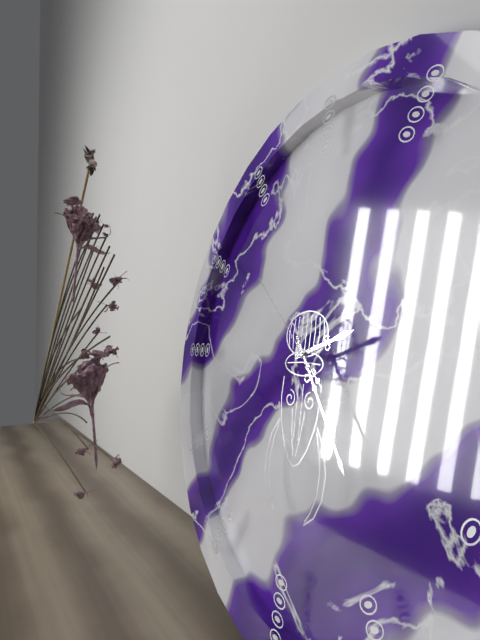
{"hour": 2, "minute": 24, "second": 52}
